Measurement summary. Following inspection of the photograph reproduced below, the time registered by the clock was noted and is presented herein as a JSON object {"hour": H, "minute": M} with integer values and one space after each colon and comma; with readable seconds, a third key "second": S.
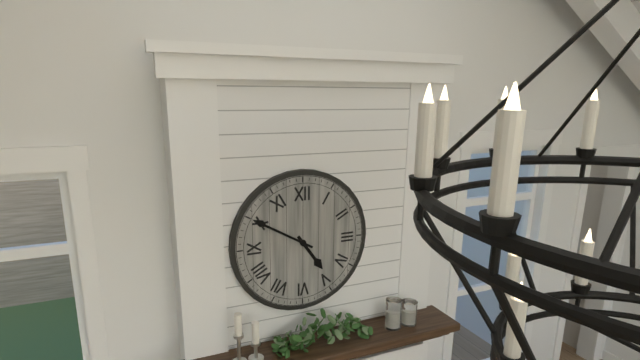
{"hour": 4, "minute": 50}
